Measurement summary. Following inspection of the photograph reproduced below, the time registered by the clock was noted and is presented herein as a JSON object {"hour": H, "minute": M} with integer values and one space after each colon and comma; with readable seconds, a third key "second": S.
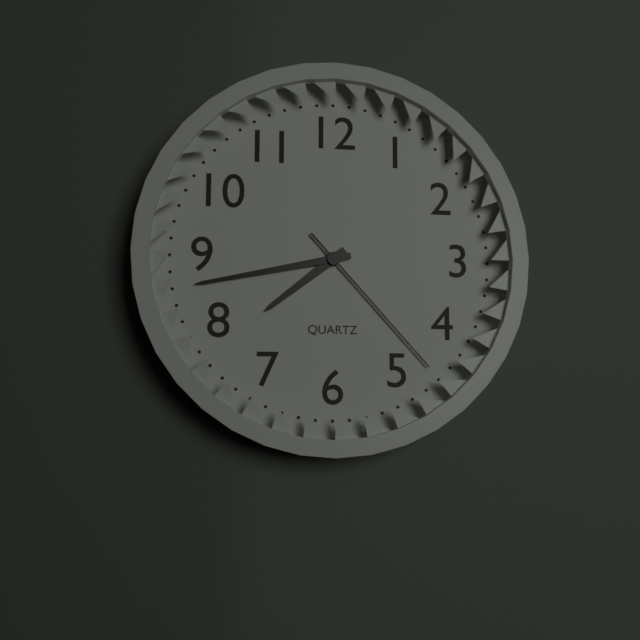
{"hour": 7, "minute": 43, "second": 23}
